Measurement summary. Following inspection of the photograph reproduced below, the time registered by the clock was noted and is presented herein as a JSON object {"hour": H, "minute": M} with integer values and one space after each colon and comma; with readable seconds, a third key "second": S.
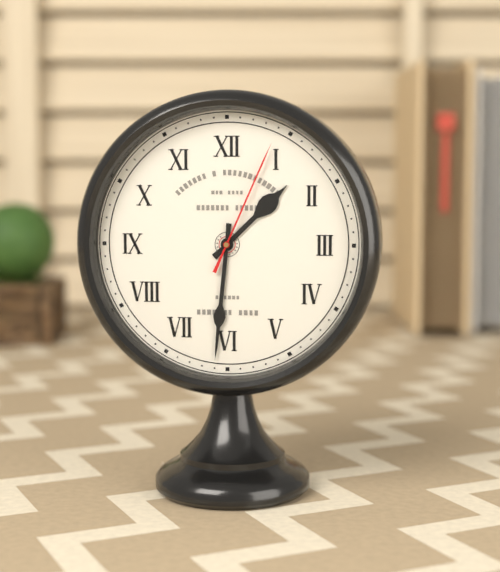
{"hour": 1, "minute": 31, "second": 4}
